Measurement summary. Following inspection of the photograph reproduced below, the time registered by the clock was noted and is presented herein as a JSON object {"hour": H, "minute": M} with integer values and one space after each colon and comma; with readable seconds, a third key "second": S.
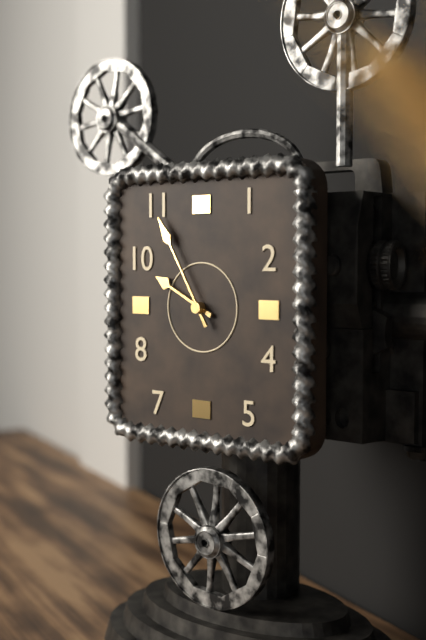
{"hour": 9, "minute": 55}
